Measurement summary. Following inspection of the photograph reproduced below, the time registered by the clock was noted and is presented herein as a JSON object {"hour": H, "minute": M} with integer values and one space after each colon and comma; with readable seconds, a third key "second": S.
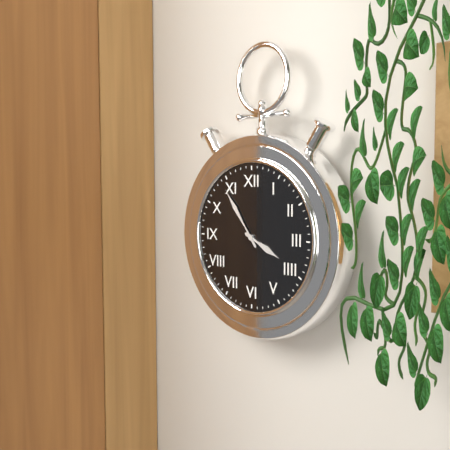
{"hour": 3, "minute": 54}
